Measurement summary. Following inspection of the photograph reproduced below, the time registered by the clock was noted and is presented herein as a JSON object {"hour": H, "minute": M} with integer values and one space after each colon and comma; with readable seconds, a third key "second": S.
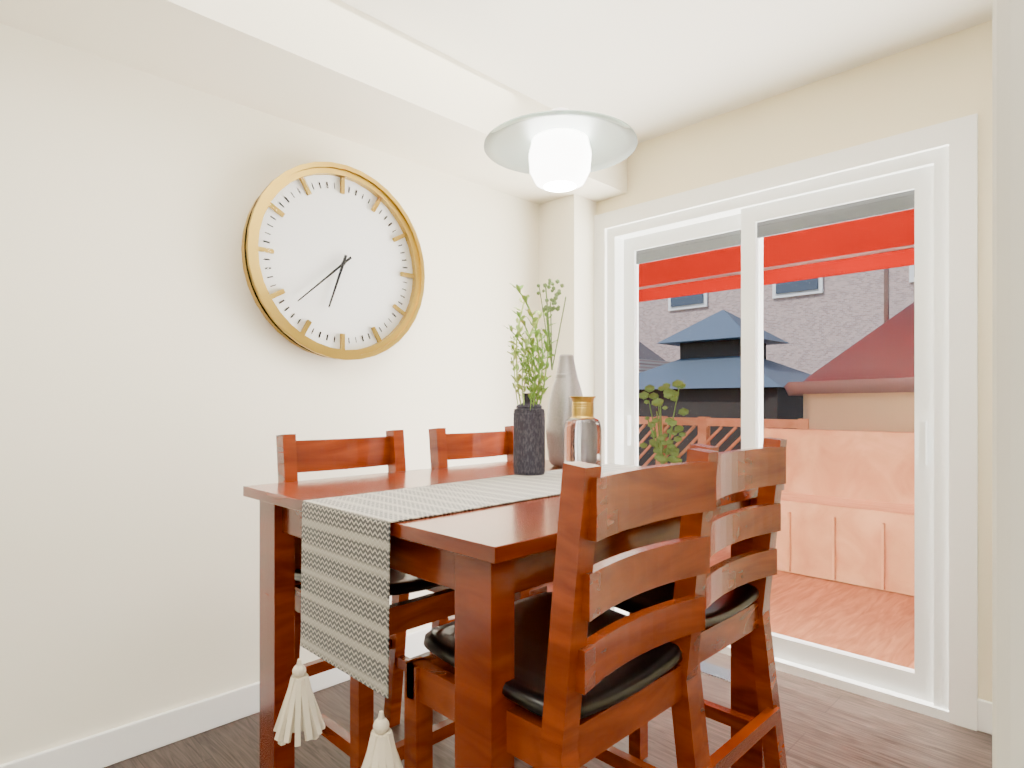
{"hour": 6, "minute": 38}
